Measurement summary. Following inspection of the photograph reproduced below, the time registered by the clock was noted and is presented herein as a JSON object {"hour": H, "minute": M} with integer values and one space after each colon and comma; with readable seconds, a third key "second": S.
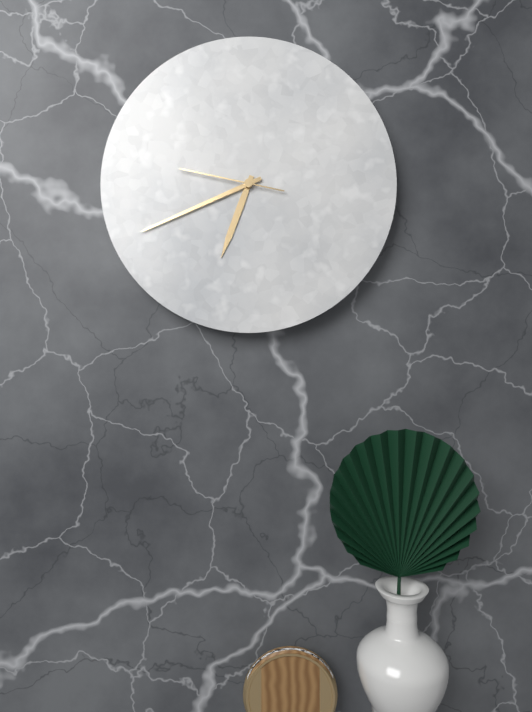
{"hour": 6, "minute": 41, "second": 47}
